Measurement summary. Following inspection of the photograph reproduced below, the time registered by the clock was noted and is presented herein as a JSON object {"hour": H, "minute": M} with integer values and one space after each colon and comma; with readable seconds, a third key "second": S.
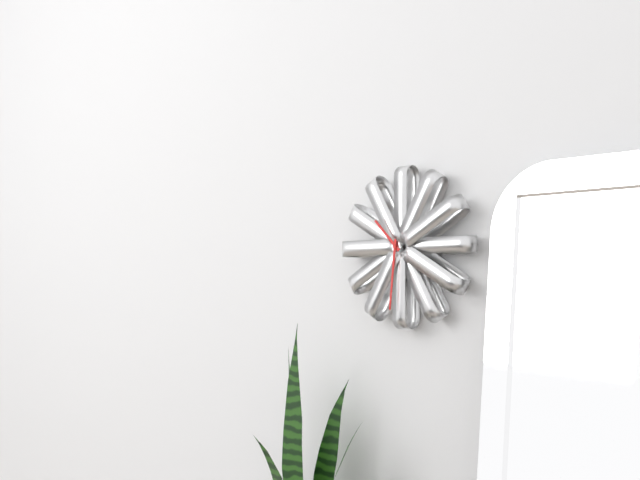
{"hour": 10, "minute": 31}
